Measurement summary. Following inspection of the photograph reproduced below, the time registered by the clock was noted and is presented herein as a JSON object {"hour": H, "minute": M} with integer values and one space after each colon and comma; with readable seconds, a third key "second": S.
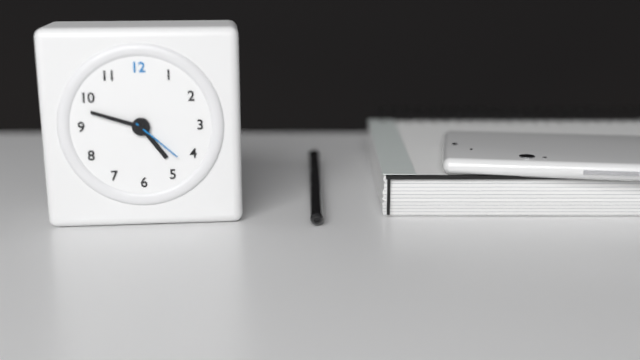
{"hour": 4, "minute": 48, "second": 22}
